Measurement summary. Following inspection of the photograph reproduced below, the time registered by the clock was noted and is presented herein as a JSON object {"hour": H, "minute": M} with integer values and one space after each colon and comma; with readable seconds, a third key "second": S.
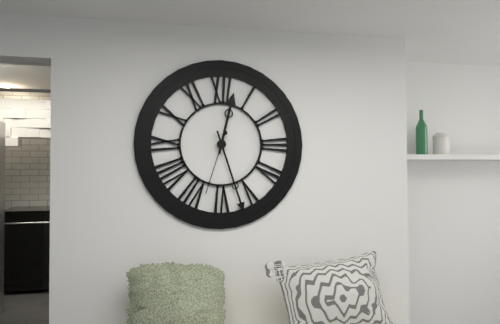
{"hour": 12, "minute": 27, "second": 33}
